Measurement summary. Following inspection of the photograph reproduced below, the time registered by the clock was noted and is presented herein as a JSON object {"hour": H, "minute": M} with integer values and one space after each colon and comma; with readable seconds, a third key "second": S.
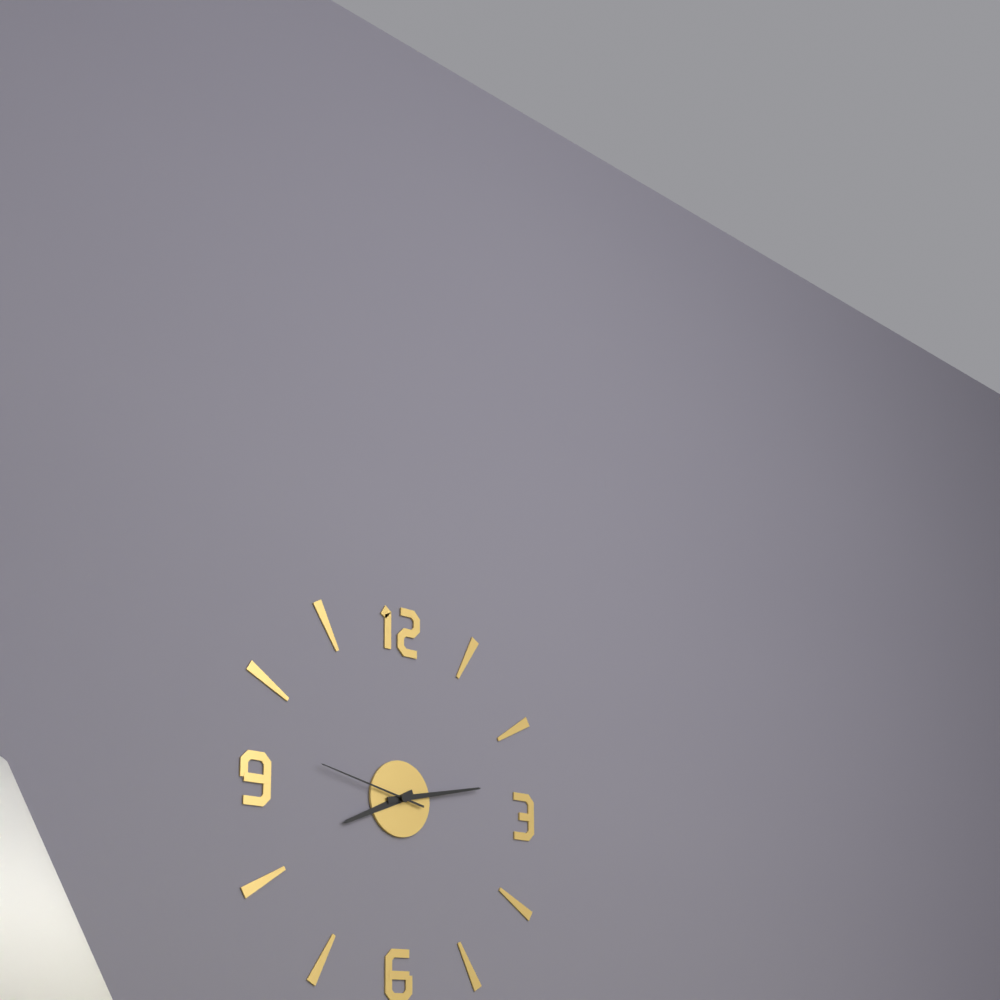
{"hour": 8, "minute": 13, "second": 47}
